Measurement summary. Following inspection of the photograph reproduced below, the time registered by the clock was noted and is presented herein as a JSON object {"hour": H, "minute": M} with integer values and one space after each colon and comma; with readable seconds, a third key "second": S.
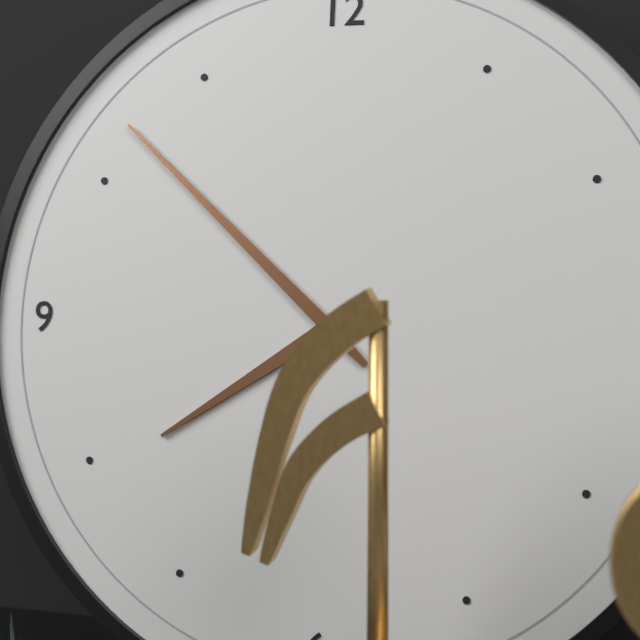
{"hour": 7, "minute": 52}
